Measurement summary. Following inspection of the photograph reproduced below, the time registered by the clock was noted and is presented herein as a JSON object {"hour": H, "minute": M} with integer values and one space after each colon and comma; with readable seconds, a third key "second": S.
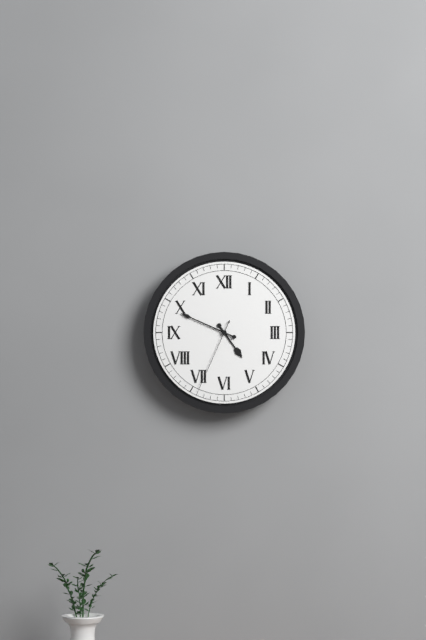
{"hour": 4, "minute": 49, "second": 34}
